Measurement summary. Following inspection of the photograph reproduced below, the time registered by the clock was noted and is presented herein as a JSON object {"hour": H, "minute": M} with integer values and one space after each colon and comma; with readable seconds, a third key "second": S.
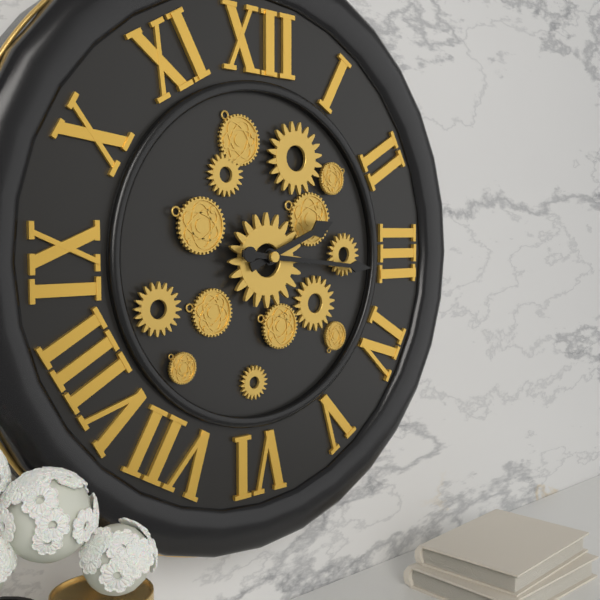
{"hour": 2, "minute": 16}
